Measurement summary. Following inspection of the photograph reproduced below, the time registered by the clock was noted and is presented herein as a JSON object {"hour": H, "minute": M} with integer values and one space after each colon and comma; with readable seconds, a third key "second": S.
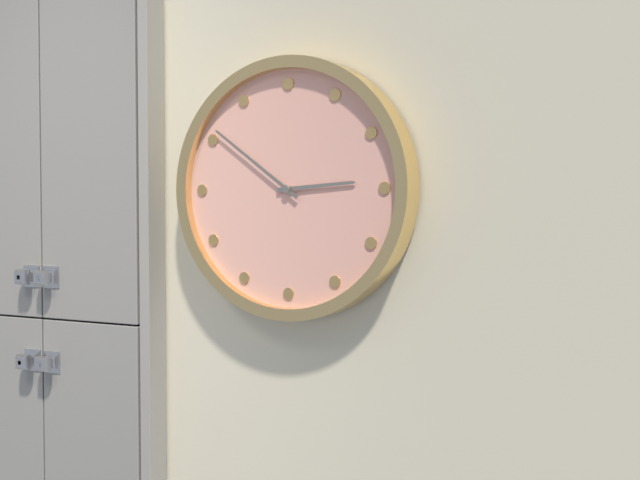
{"hour": 2, "minute": 51}
